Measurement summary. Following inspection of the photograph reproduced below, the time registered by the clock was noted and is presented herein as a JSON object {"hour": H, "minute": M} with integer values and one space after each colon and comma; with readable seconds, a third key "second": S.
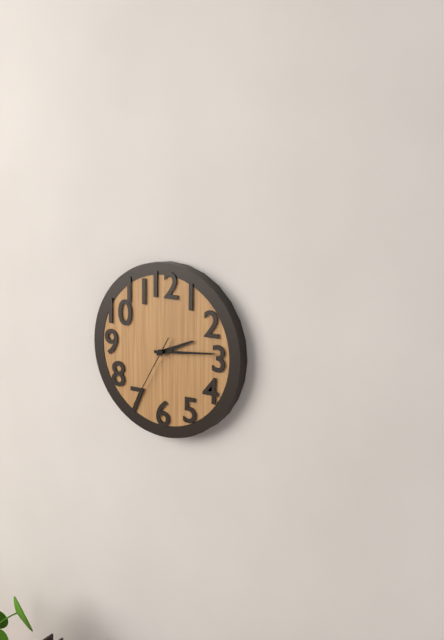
{"hour": 2, "minute": 14, "second": 35}
